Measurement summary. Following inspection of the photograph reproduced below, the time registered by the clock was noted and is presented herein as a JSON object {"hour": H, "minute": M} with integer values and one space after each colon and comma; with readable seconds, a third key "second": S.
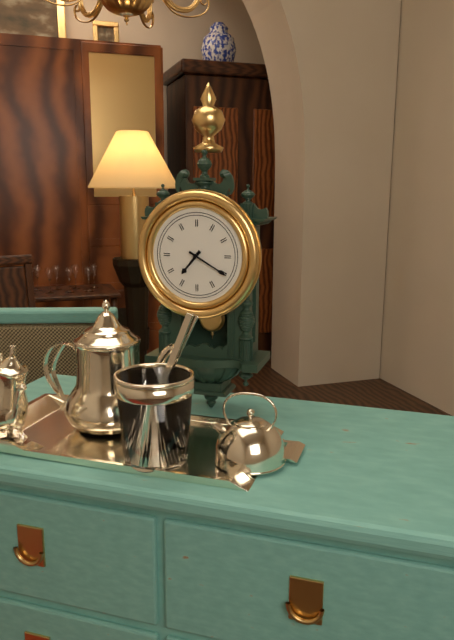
{"hour": 7, "minute": 20}
